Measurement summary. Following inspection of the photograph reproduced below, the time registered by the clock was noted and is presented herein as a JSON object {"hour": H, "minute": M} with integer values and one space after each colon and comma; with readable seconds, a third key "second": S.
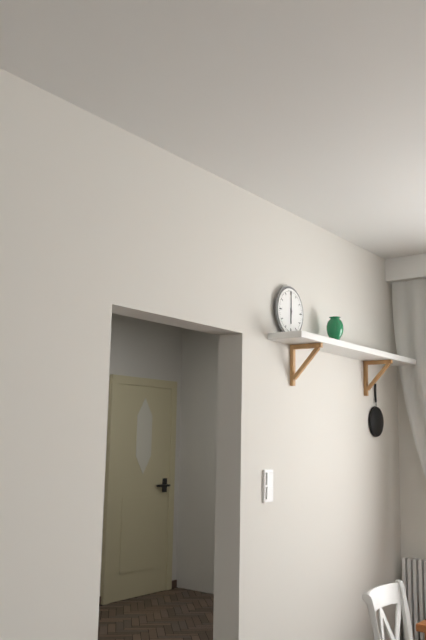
{"hour": 6, "minute": 0}
